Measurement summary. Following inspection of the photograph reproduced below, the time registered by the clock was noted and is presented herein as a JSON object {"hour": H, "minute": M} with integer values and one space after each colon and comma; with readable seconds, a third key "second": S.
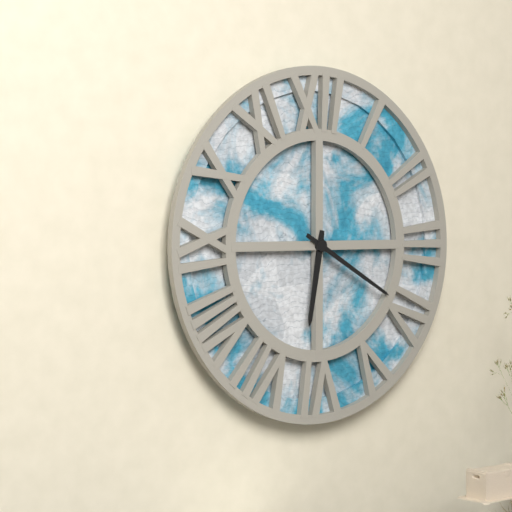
{"hour": 6, "minute": 20}
